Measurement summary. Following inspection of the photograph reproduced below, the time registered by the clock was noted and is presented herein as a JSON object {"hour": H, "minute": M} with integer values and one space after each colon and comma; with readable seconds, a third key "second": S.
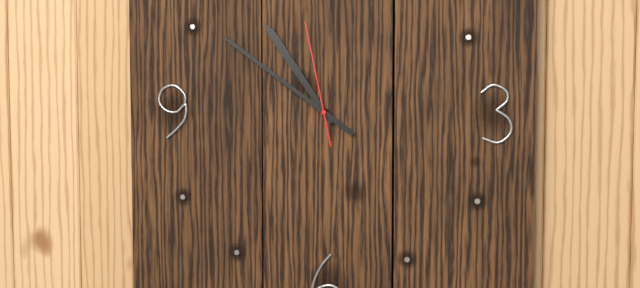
{"hour": 10, "minute": 51, "second": 58}
